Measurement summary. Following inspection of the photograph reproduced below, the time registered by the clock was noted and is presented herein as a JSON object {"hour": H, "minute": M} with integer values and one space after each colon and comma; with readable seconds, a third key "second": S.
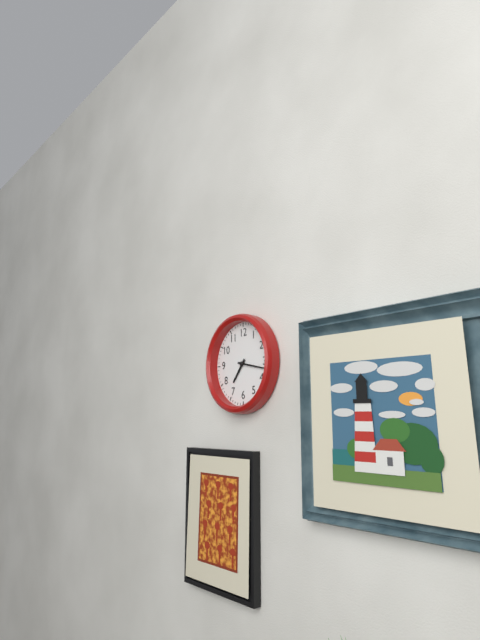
{"hour": 7, "minute": 17}
